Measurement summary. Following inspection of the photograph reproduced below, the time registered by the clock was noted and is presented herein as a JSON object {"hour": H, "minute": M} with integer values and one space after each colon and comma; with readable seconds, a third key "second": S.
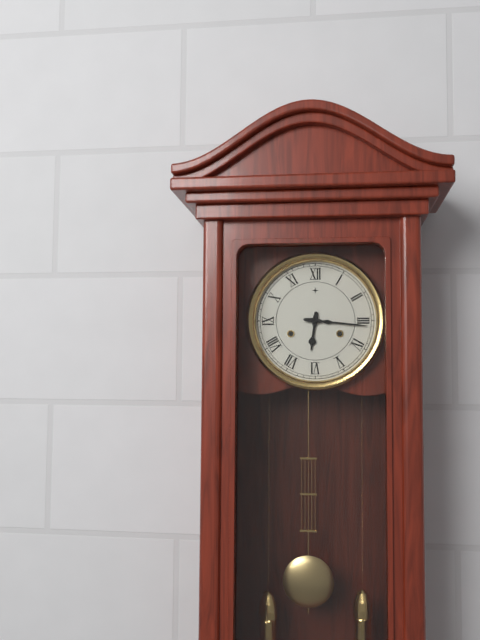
{"hour": 6, "minute": 16}
